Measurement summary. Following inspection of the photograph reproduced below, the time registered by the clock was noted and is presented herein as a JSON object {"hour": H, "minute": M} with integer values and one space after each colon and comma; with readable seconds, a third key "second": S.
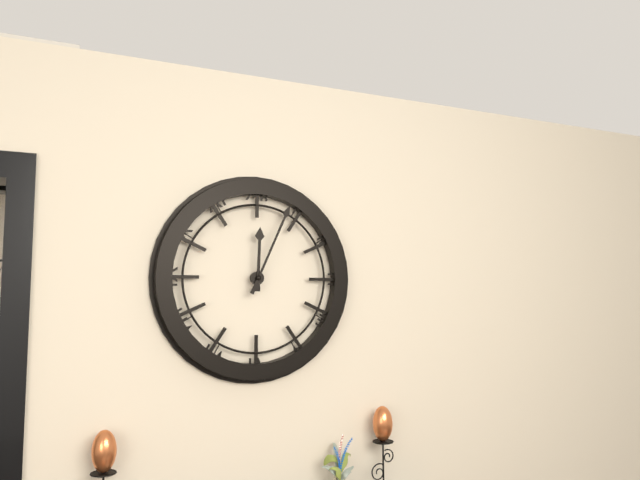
{"hour": 12, "minute": 4}
